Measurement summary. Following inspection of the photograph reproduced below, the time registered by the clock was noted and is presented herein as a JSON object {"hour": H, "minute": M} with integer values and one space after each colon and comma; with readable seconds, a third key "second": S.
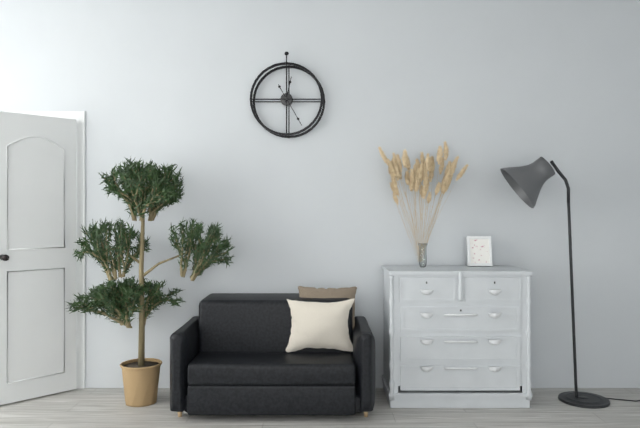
{"hour": 12, "minute": 25}
